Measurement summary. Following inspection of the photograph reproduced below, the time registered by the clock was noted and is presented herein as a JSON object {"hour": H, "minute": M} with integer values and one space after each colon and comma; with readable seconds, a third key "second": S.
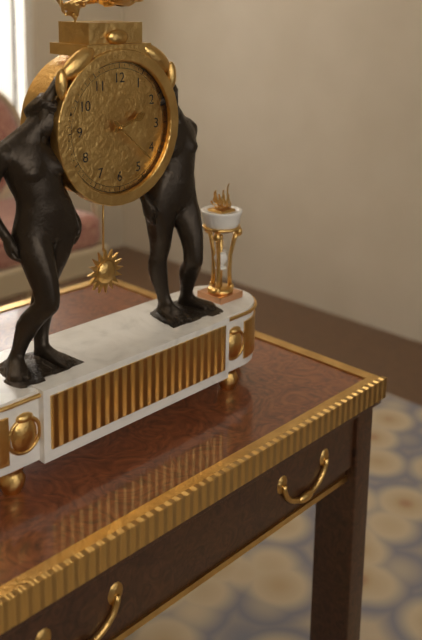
{"hour": 2, "minute": 22}
